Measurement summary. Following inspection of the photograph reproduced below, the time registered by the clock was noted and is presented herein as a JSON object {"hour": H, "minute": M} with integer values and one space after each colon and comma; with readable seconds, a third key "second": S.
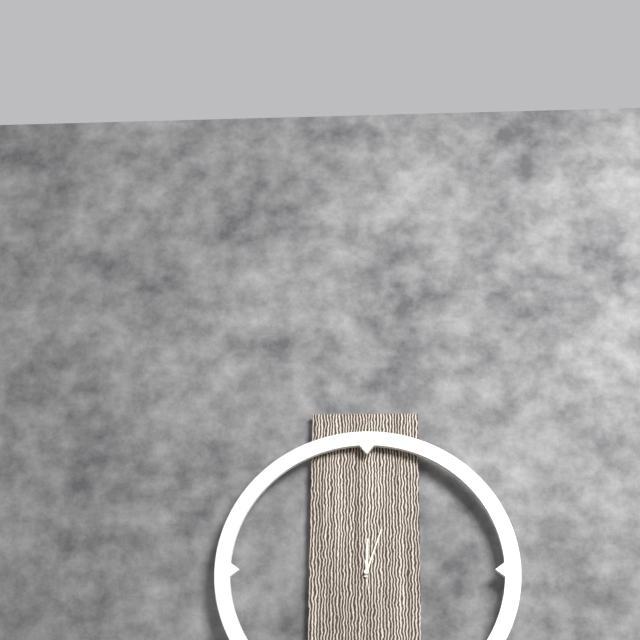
{"hour": 12, "minute": 3}
